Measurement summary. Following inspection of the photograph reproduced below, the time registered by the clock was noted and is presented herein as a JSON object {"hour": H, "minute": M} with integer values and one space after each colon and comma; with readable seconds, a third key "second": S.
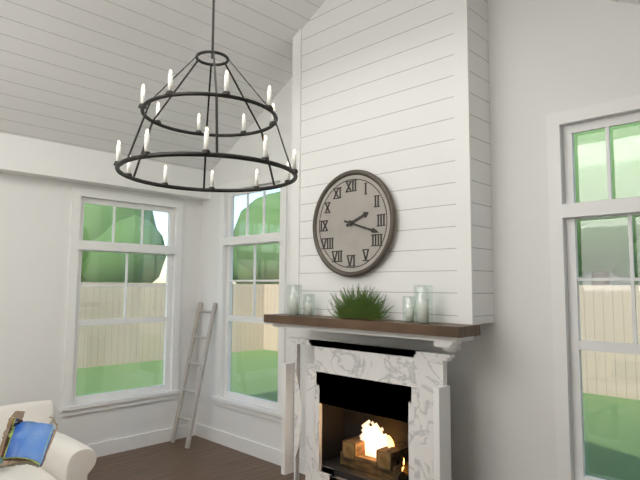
{"hour": 2, "minute": 18}
